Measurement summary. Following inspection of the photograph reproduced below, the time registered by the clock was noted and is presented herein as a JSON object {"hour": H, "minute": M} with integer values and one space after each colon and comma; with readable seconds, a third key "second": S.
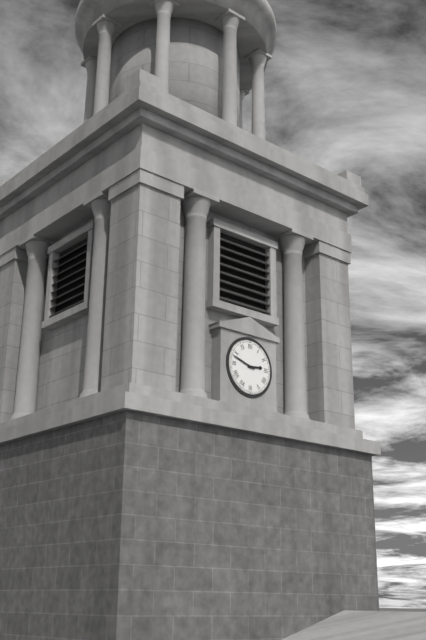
{"hour": 2, "minute": 48}
